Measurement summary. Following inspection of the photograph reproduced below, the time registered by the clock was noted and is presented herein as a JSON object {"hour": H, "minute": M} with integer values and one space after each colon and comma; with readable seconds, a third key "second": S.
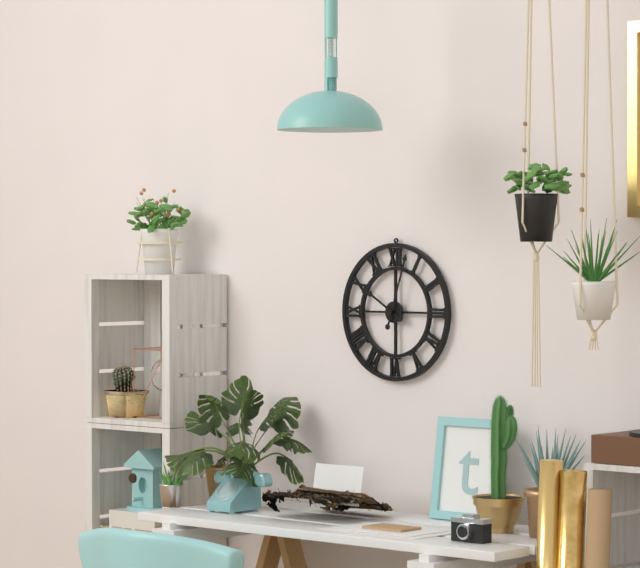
{"hour": 10, "minute": 3}
